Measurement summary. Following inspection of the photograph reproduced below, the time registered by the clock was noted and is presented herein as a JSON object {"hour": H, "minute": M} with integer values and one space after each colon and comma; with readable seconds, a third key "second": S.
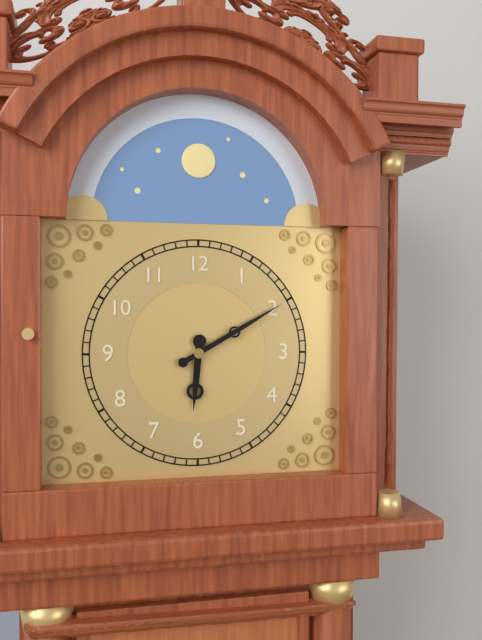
{"hour": 6, "minute": 10}
